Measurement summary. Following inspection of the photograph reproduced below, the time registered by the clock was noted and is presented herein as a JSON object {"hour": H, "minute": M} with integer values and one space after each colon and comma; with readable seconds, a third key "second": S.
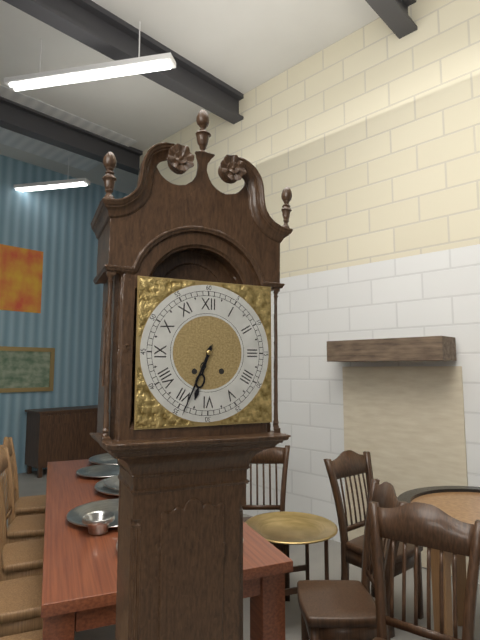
{"hour": 6, "minute": 34}
